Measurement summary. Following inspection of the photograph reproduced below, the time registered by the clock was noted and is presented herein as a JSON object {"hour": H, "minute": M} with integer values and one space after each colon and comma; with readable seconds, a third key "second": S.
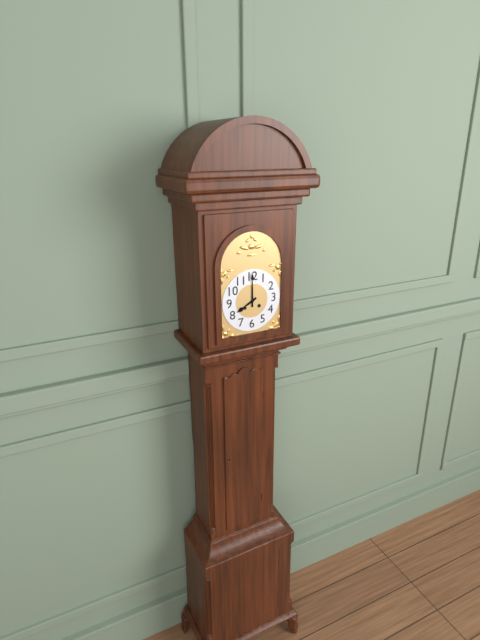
{"hour": 8, "minute": 0}
